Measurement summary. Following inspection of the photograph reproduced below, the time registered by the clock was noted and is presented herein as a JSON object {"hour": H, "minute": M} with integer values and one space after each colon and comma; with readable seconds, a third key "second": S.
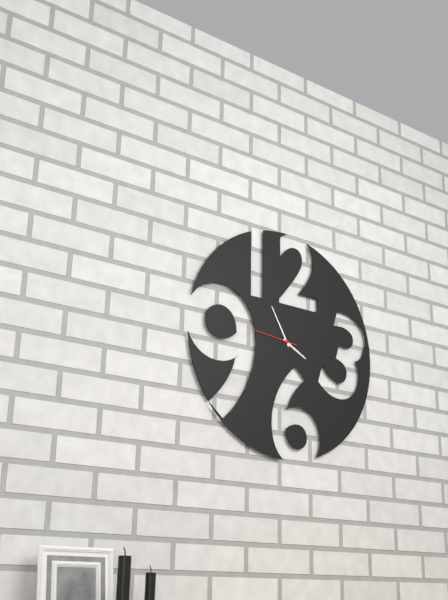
{"hour": 3, "minute": 55}
